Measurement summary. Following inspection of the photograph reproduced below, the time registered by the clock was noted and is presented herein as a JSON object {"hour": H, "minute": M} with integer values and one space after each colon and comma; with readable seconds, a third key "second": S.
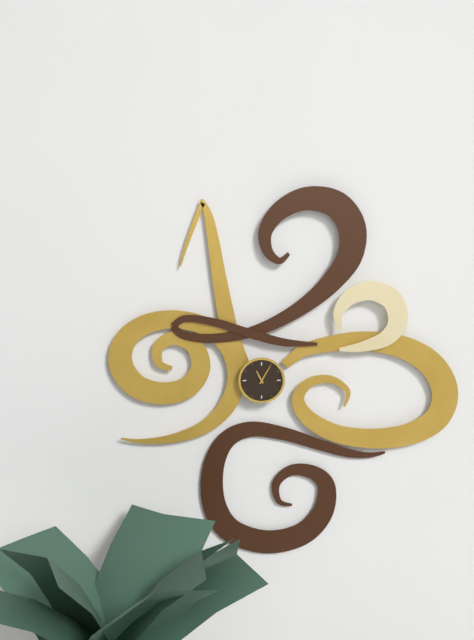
{"hour": 11, "minute": 5}
